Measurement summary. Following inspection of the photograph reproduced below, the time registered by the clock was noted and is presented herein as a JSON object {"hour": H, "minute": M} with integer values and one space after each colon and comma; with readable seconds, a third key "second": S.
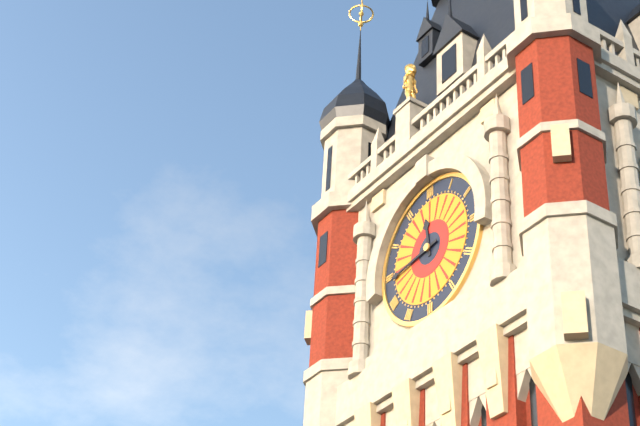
{"hour": 11, "minute": 44}
